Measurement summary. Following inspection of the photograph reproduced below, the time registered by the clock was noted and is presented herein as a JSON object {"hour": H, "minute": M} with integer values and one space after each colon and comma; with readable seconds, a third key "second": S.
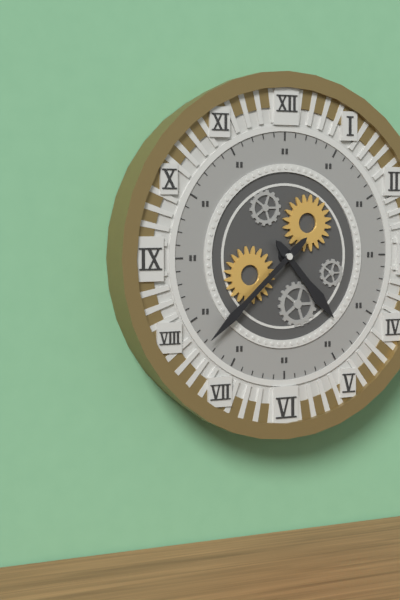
{"hour": 4, "minute": 38}
